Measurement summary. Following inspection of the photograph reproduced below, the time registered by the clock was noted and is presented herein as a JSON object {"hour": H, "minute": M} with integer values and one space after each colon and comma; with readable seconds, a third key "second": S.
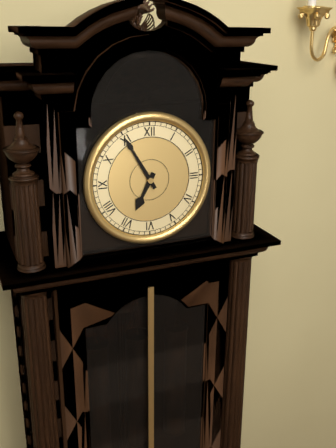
{"hour": 6, "minute": 55}
